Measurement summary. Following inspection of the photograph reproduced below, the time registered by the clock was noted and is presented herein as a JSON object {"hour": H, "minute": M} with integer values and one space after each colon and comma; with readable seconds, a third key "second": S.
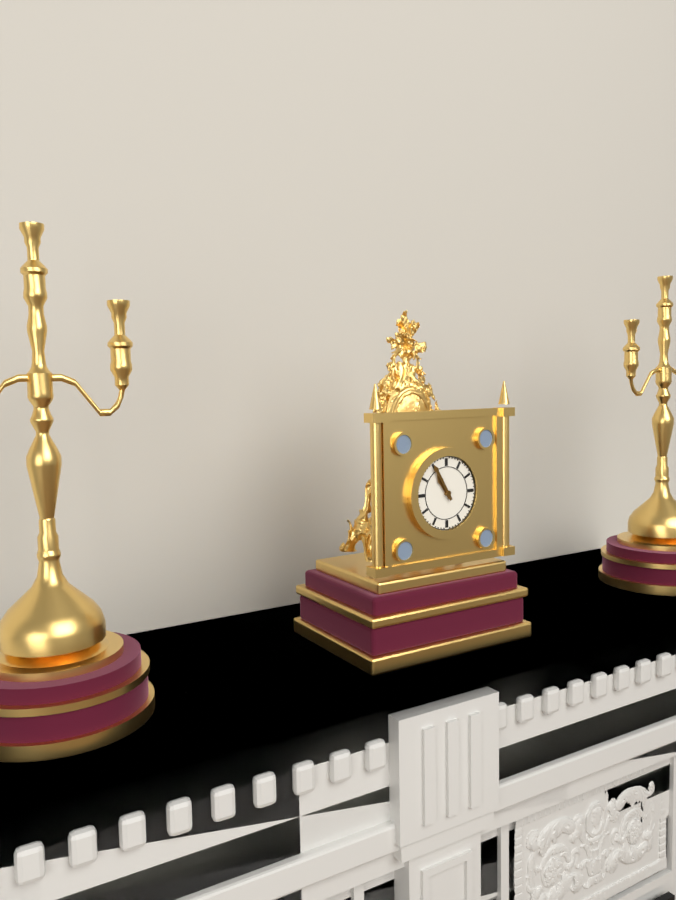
{"hour": 10, "minute": 55}
